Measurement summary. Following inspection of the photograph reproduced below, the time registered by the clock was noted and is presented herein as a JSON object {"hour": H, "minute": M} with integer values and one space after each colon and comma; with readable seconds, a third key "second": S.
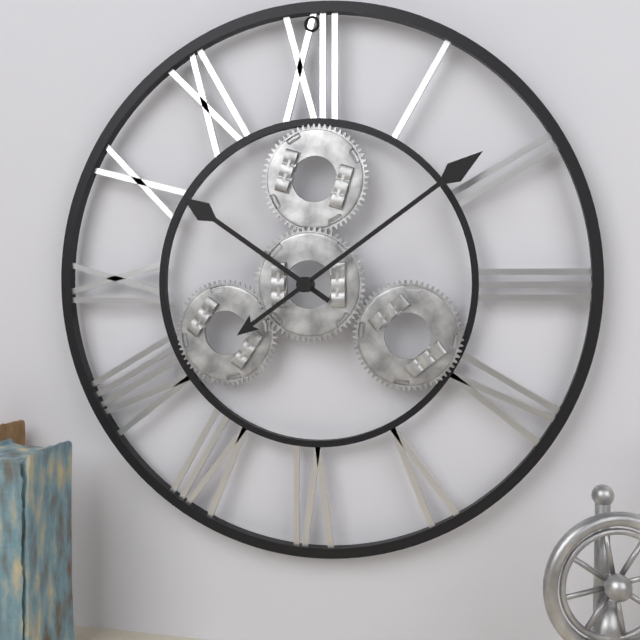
{"hour": 10, "minute": 9}
